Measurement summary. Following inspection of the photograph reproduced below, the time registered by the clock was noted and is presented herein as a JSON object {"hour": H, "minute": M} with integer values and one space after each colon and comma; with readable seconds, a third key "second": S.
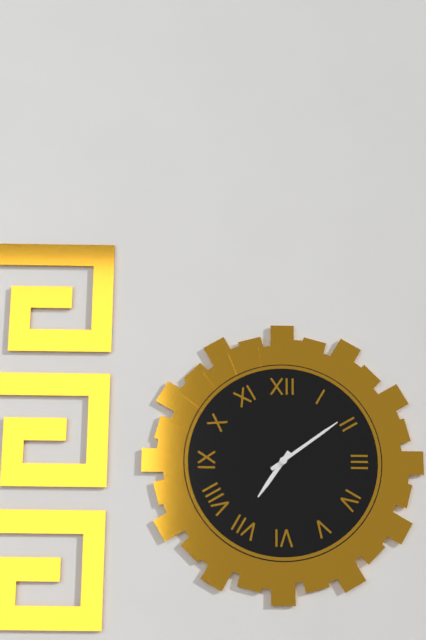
{"hour": 7, "minute": 9}
